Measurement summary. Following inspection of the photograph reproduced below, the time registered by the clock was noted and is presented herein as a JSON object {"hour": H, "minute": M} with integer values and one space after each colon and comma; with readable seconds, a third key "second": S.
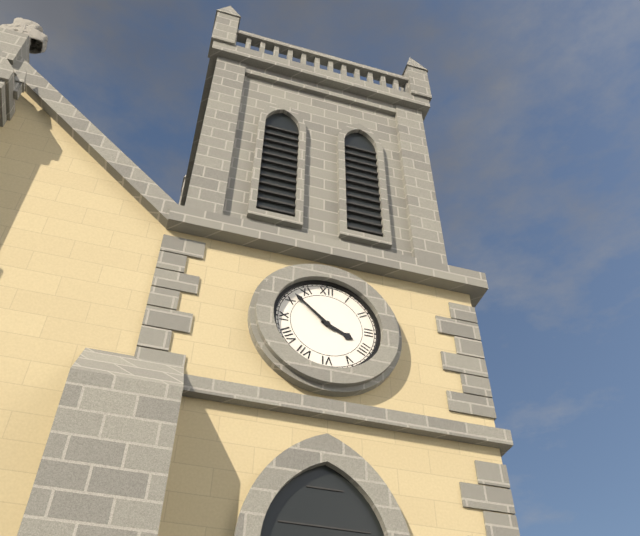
{"hour": 3, "minute": 52}
